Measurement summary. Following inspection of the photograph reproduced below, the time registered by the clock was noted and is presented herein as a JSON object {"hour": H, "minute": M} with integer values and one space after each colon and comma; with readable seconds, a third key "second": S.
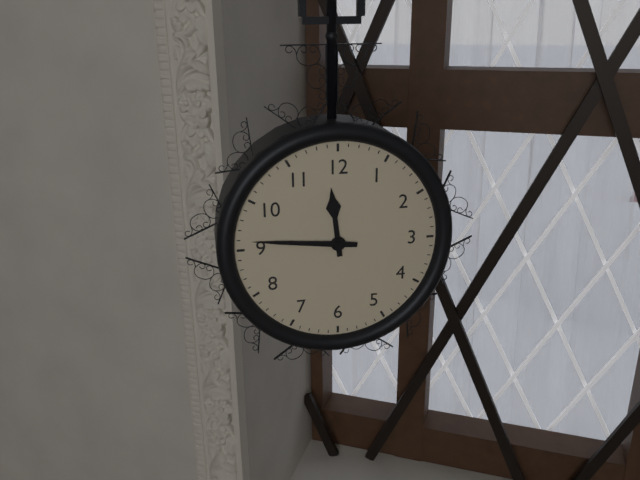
{"hour": 11, "minute": 46}
